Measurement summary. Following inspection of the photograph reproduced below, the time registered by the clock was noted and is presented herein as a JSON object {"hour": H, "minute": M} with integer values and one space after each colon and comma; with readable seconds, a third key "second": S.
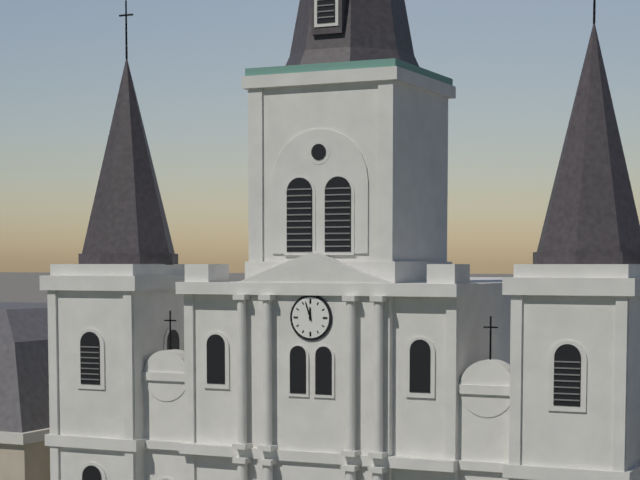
{"hour": 11, "minute": 57}
